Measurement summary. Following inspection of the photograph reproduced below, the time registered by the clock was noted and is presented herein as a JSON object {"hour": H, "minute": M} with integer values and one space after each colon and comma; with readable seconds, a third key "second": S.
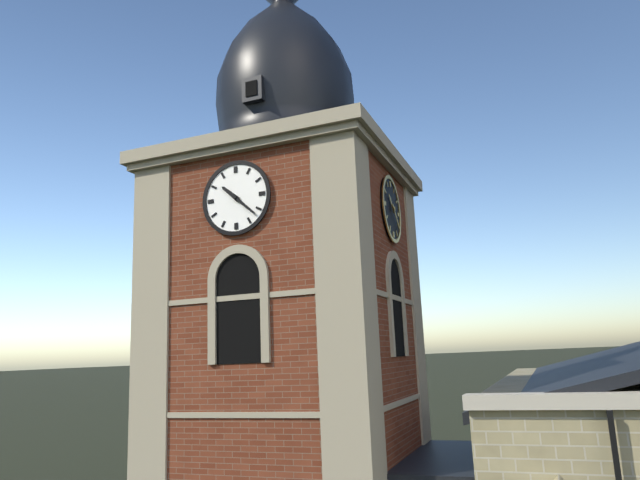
{"hour": 10, "minute": 22}
